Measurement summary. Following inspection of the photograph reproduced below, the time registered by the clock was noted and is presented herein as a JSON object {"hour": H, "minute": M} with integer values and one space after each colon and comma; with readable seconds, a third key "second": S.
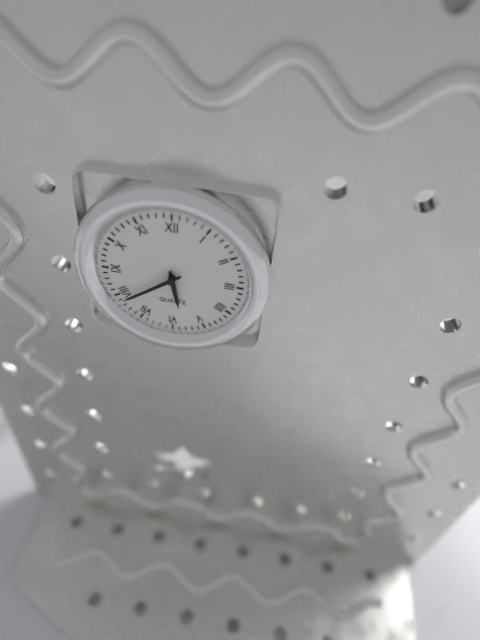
{"hour": 5, "minute": 39}
